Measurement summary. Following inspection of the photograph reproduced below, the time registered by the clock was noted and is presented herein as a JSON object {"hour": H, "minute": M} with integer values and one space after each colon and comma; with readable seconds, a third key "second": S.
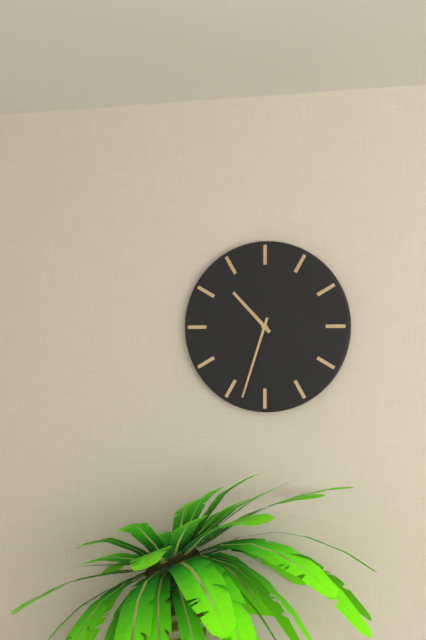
{"hour": 10, "minute": 33}
